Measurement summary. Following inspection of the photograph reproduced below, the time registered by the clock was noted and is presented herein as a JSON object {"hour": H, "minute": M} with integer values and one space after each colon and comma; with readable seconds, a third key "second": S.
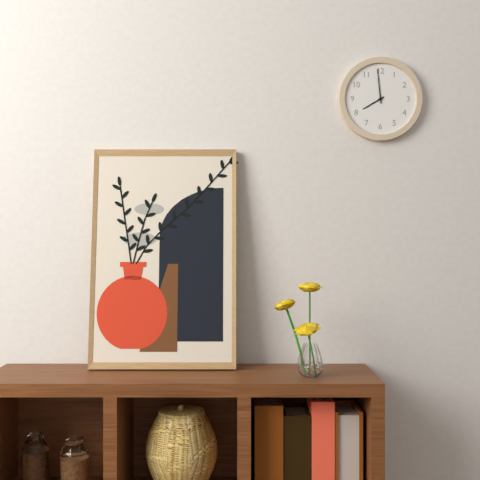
{"hour": 7, "minute": 59}
